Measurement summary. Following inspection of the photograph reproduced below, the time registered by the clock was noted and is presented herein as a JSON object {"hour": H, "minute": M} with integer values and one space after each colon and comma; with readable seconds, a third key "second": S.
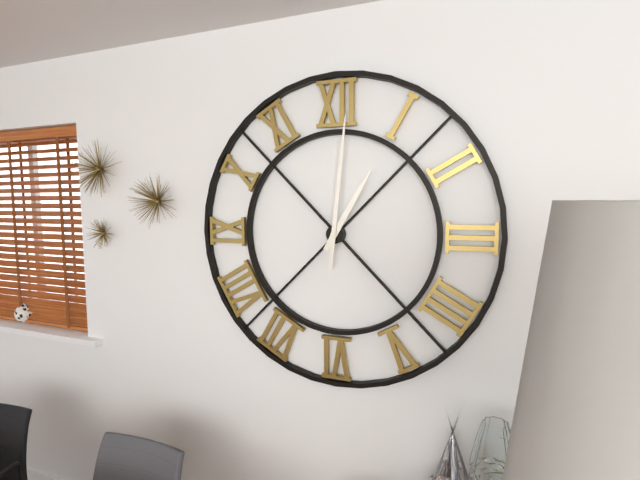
{"hour": 1, "minute": 1}
